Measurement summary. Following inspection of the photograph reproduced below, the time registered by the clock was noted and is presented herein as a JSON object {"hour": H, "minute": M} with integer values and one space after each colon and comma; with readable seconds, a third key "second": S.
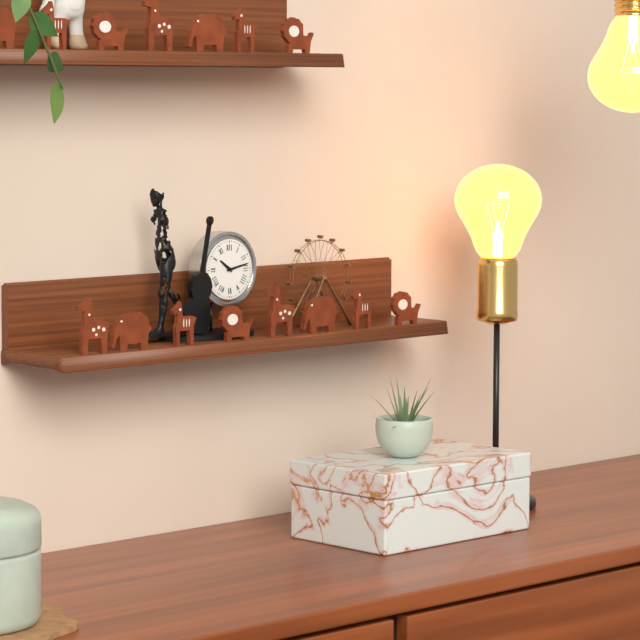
{"hour": 10, "minute": 13}
